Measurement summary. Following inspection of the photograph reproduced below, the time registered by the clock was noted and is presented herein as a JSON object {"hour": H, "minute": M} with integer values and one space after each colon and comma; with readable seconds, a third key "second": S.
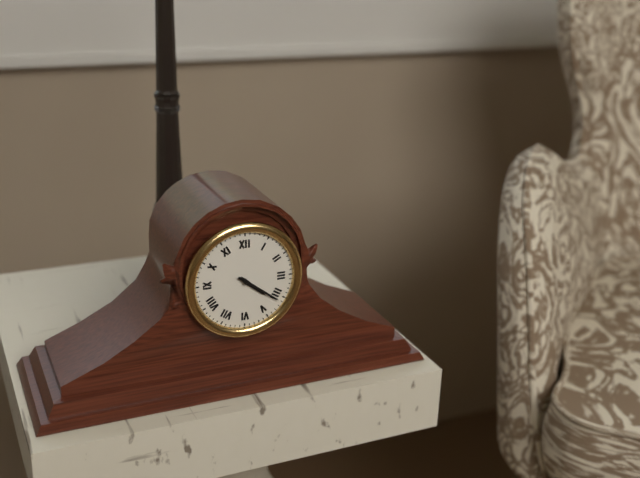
{"hour": 4, "minute": 21}
